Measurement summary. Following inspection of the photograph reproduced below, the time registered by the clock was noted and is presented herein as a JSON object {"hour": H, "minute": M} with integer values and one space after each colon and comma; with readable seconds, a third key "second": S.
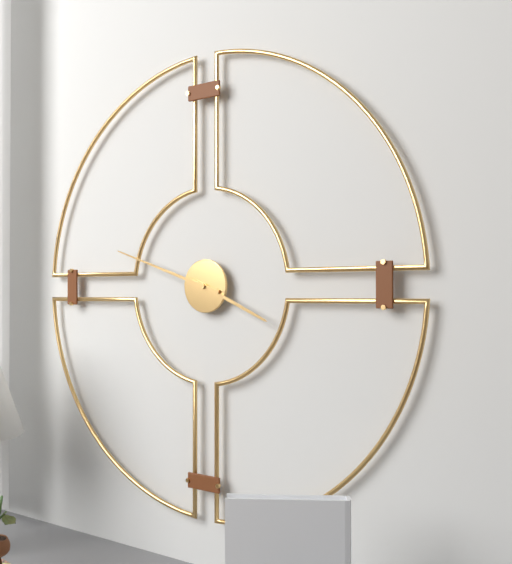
{"hour": 3, "minute": 48}
